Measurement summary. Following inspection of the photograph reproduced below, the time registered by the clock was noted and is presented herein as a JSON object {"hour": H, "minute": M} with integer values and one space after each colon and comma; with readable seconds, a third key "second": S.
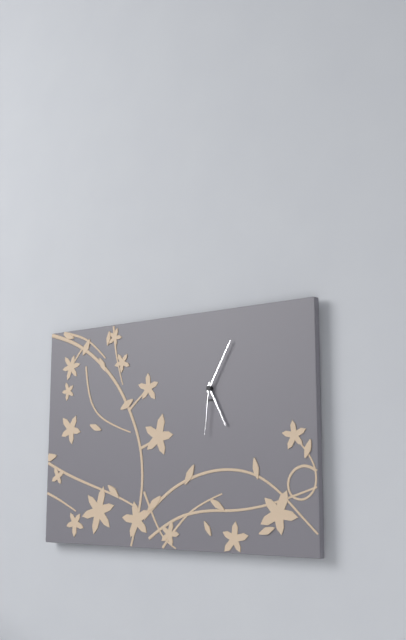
{"hour": 5, "minute": 5, "second": 31}
